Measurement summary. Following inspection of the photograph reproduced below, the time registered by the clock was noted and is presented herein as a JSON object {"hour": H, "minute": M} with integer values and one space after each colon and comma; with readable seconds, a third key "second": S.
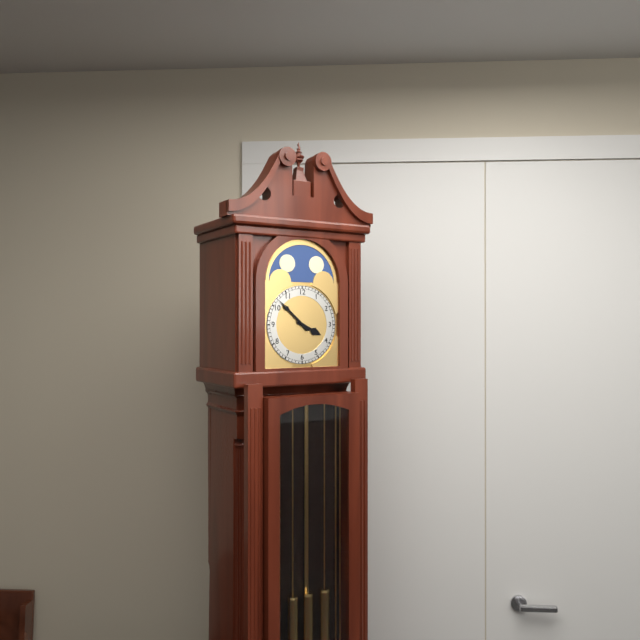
{"hour": 3, "minute": 52}
